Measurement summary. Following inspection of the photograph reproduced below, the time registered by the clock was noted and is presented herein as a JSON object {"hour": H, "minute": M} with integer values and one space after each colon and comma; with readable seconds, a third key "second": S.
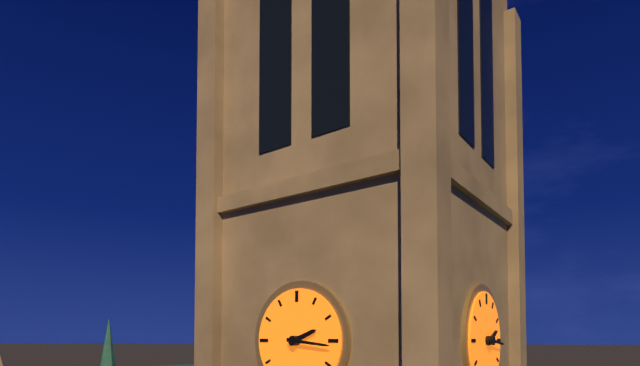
{"hour": 2, "minute": 16}
